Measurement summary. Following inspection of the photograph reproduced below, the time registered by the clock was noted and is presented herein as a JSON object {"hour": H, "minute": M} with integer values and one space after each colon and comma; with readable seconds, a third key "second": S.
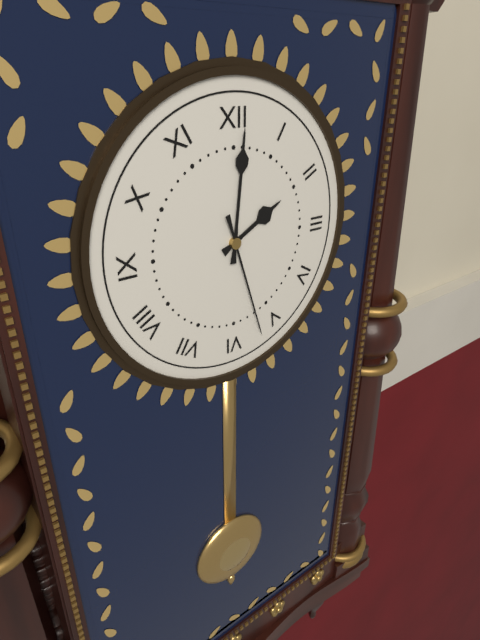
{"hour": 2, "minute": 1, "second": 27}
